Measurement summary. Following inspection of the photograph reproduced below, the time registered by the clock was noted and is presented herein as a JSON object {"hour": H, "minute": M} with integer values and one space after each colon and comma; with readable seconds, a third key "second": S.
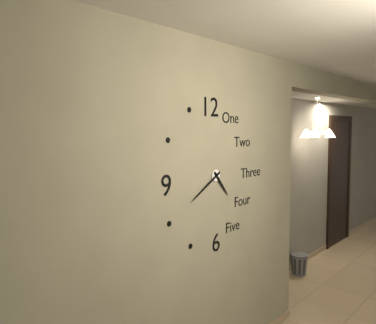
{"hour": 4, "minute": 40}
